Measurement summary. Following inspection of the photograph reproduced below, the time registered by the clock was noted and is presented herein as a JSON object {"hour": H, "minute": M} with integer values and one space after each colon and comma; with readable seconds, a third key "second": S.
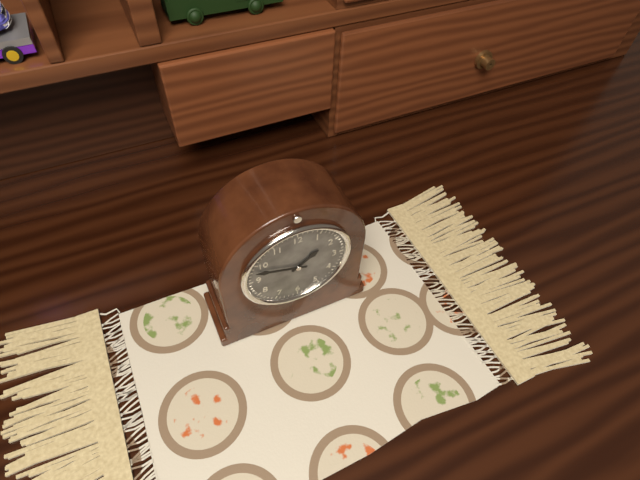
{"hour": 1, "minute": 48}
